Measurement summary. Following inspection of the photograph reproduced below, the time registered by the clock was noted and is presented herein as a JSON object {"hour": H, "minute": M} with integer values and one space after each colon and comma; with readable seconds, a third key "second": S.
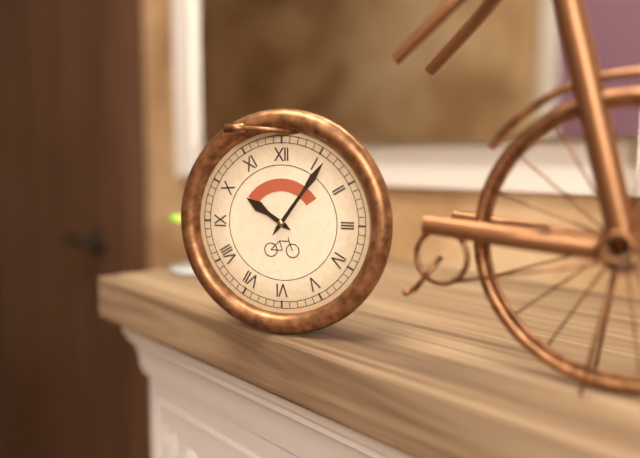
{"hour": 10, "minute": 6}
